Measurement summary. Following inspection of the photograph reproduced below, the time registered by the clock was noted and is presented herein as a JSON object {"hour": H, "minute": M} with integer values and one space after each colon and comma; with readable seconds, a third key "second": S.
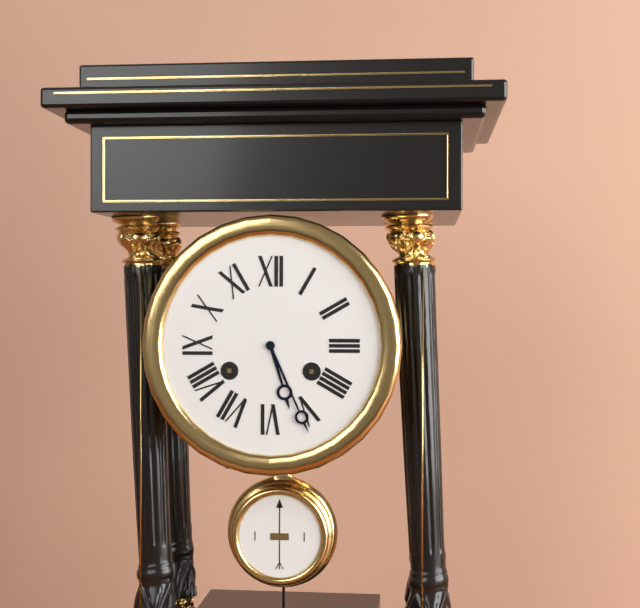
{"hour": 5, "minute": 26}
